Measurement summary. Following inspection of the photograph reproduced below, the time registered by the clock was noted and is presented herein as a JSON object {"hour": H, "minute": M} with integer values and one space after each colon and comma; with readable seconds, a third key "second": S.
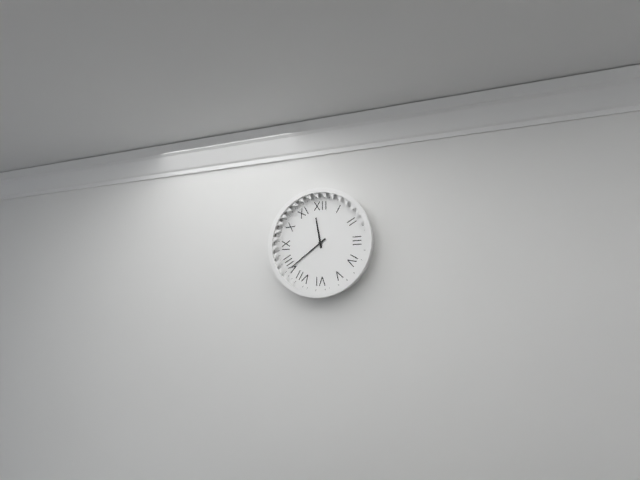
{"hour": 11, "minute": 39}
